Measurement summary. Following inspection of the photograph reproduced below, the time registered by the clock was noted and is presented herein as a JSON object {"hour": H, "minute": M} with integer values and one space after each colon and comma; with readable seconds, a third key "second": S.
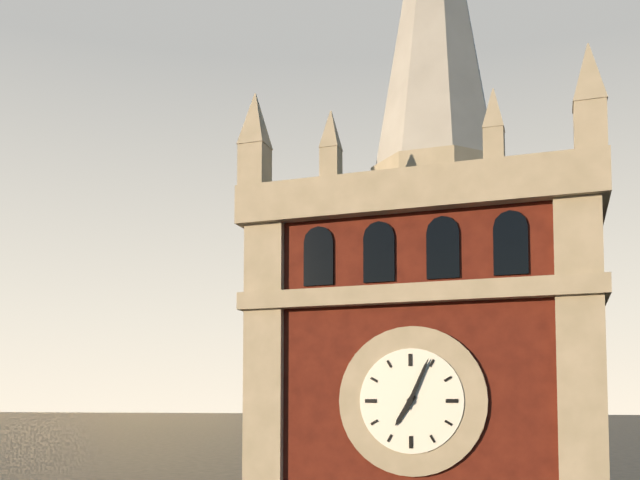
{"hour": 7, "minute": 4}
